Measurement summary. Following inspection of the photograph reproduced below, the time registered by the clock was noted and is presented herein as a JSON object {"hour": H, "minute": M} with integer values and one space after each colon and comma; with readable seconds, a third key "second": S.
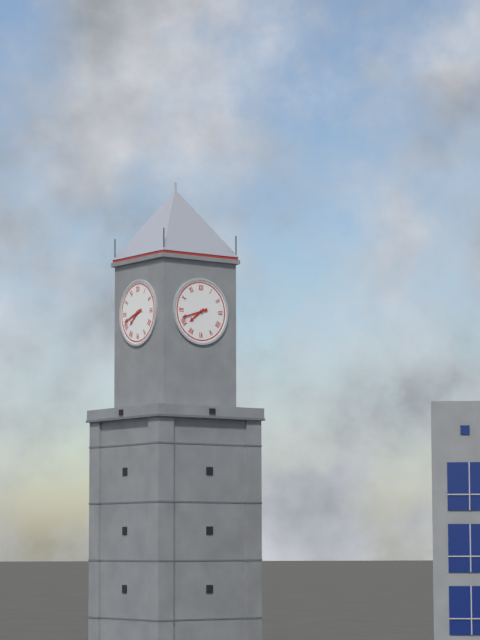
{"hour": 7, "minute": 42}
